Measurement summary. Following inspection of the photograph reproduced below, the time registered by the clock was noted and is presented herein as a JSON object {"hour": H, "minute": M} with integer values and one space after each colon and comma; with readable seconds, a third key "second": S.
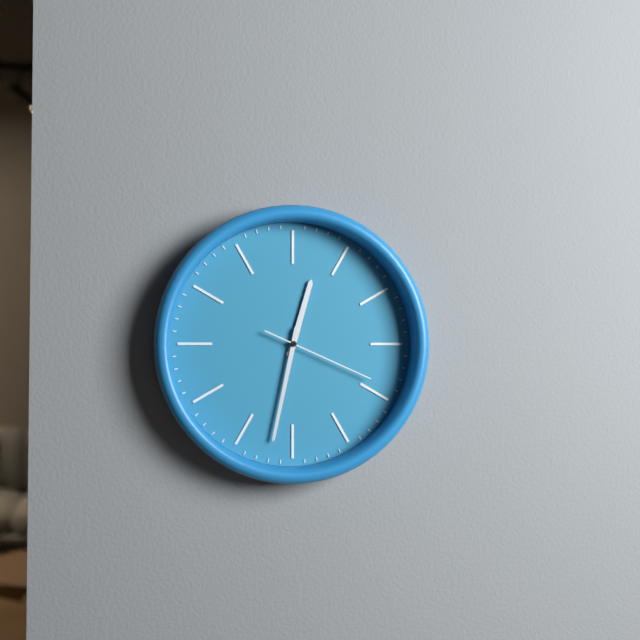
{"hour": 12, "minute": 32, "second": 19}
